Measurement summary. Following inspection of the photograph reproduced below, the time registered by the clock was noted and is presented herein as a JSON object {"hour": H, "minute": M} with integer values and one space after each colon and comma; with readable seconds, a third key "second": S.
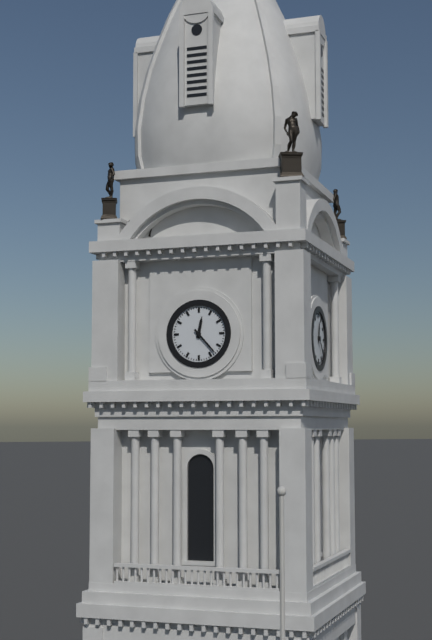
{"hour": 12, "minute": 23}
